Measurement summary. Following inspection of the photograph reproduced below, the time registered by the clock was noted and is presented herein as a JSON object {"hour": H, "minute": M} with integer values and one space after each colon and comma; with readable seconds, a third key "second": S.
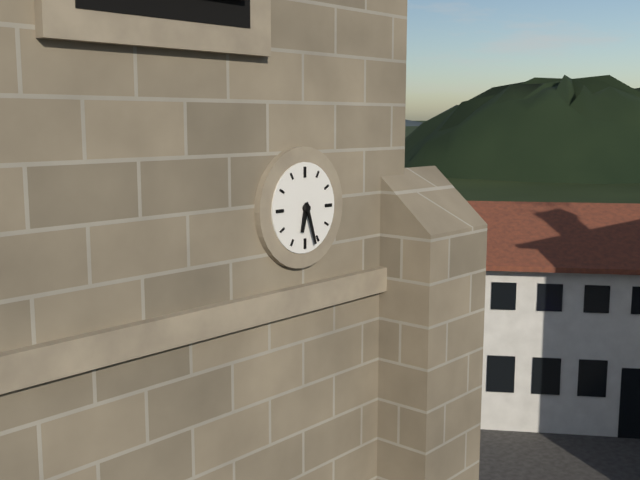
{"hour": 6, "minute": 27}
